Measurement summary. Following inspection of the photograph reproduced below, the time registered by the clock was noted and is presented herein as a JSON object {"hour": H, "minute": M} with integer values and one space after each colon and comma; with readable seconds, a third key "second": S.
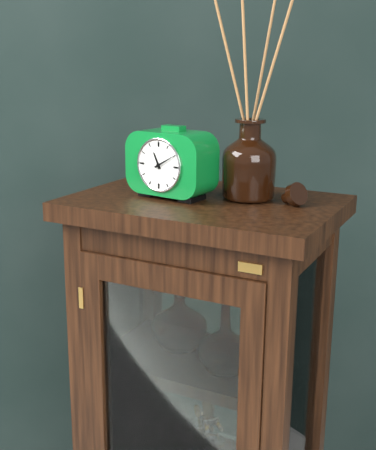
{"hour": 11, "minute": 10}
